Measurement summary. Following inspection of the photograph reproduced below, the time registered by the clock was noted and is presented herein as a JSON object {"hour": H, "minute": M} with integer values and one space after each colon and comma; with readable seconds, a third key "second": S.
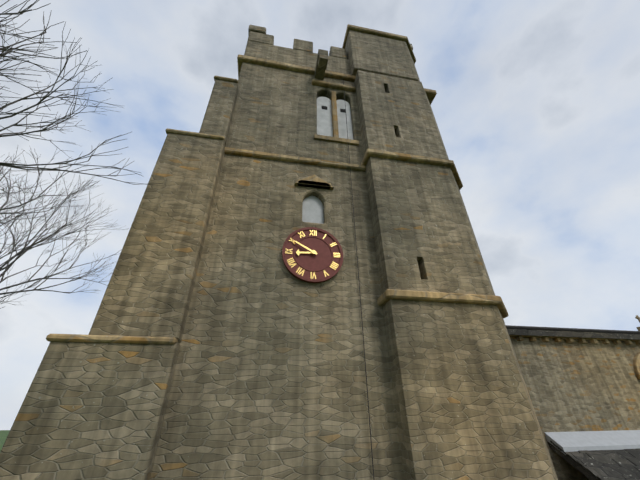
{"hour": 8, "minute": 50}
